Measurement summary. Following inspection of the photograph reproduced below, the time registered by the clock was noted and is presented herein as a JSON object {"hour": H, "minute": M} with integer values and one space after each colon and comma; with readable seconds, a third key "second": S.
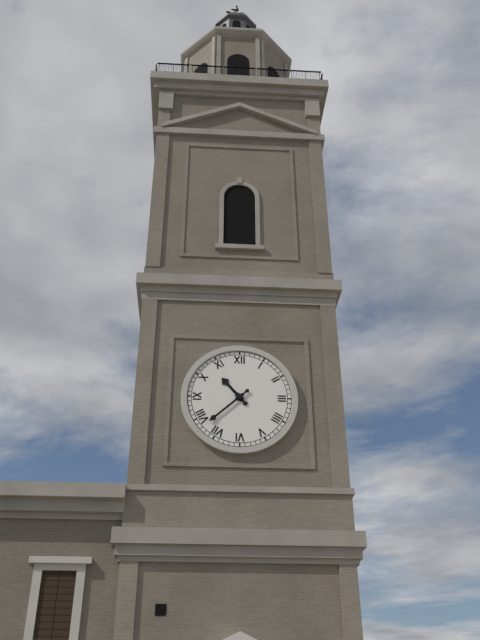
{"hour": 10, "minute": 38}
